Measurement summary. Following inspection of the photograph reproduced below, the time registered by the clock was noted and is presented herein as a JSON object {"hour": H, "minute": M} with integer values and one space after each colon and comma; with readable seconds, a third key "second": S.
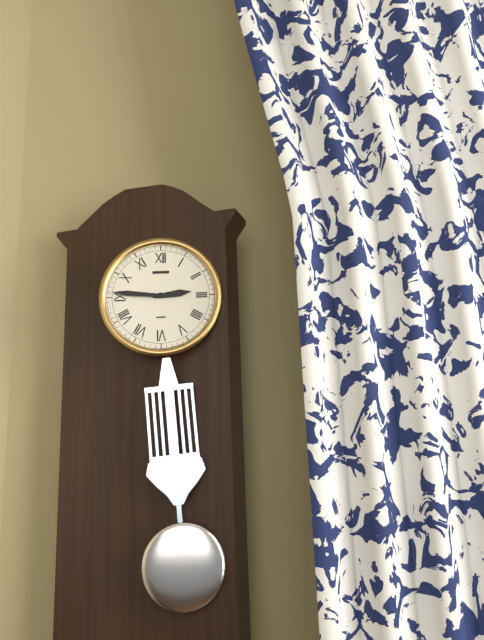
{"hour": 2, "minute": 46}
